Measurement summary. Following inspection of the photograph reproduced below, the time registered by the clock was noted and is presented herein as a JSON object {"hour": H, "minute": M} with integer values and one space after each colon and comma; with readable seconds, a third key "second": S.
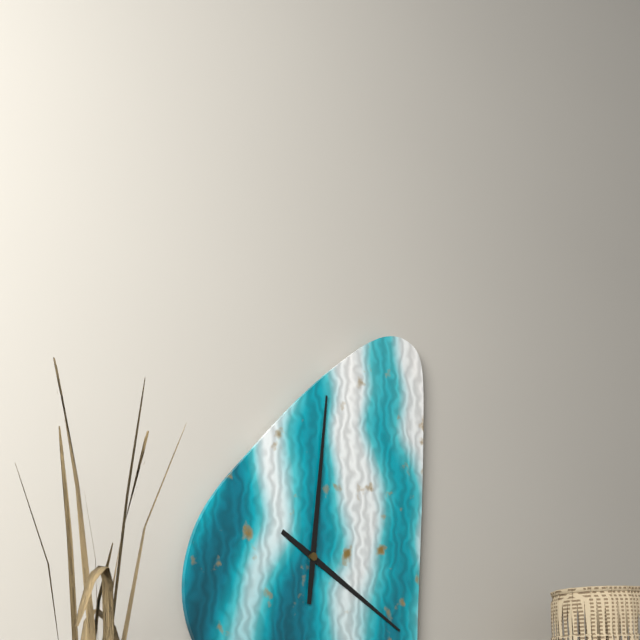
{"hour": 4, "minute": 1}
